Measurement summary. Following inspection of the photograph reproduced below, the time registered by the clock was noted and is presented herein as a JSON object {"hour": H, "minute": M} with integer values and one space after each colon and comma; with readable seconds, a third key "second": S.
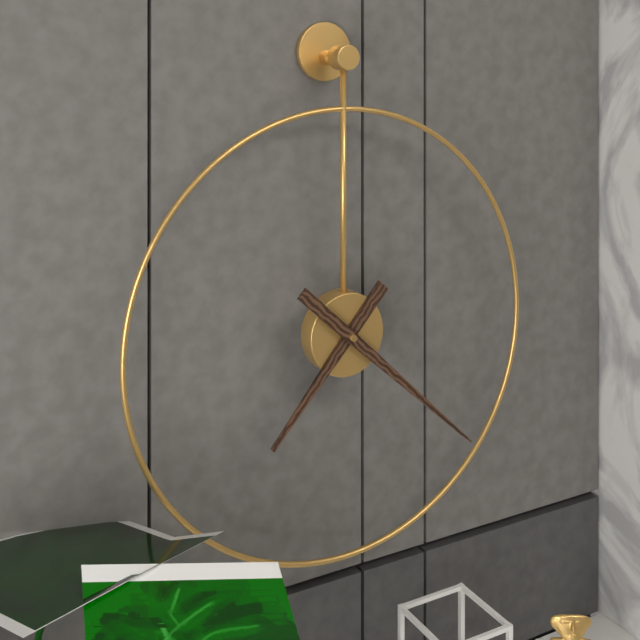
{"hour": 7, "minute": 22}
